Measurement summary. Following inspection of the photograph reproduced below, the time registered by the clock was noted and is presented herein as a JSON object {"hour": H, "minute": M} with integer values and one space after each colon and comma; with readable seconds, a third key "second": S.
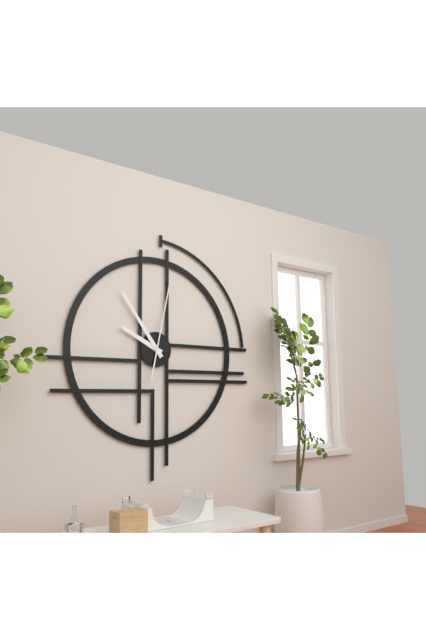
{"hour": 9, "minute": 54, "second": 2}
